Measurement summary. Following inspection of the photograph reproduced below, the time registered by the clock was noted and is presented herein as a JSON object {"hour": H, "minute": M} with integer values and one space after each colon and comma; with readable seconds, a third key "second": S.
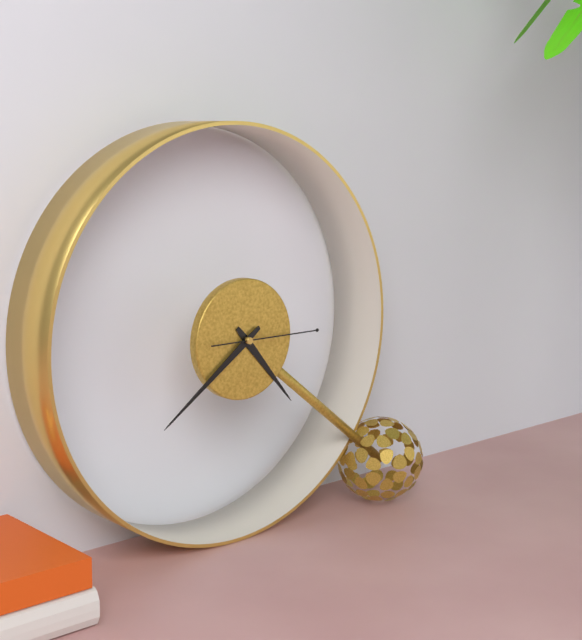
{"hour": 4, "minute": 39, "second": 15}
